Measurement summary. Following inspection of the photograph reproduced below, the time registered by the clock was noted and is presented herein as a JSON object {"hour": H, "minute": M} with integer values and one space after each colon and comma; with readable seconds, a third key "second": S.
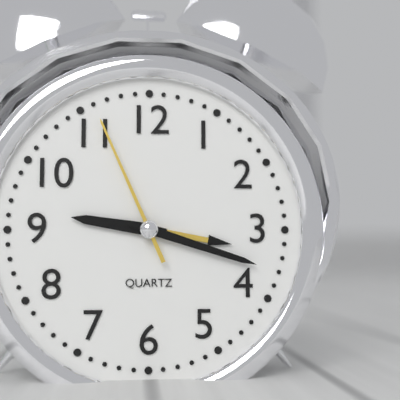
{"hour": 9, "minute": 18, "second": 56}
